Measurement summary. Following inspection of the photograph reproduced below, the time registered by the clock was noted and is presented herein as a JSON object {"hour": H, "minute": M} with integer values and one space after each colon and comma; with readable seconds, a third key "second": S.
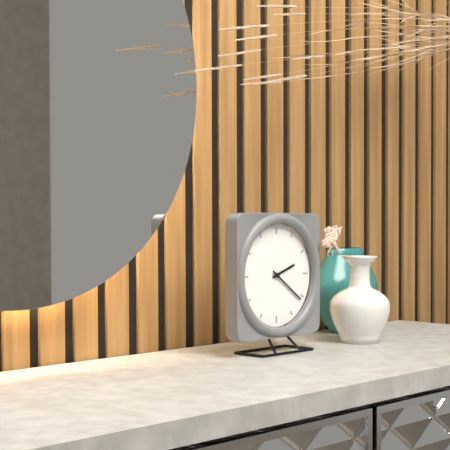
{"hour": 2, "minute": 21}
